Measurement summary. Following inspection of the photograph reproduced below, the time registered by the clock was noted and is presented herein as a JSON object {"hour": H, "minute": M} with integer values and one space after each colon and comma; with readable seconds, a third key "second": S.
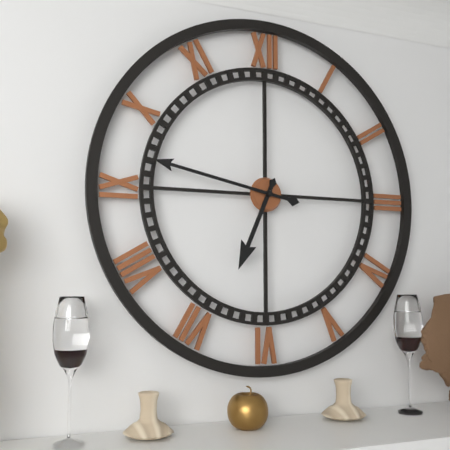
{"hour": 6, "minute": 47}
